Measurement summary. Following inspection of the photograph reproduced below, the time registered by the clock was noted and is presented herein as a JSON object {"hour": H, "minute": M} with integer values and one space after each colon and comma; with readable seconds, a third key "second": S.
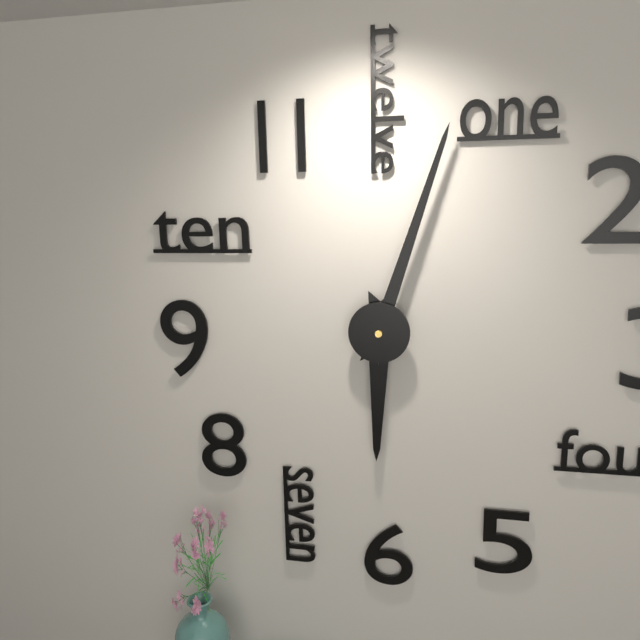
{"hour": 6, "minute": 3}
